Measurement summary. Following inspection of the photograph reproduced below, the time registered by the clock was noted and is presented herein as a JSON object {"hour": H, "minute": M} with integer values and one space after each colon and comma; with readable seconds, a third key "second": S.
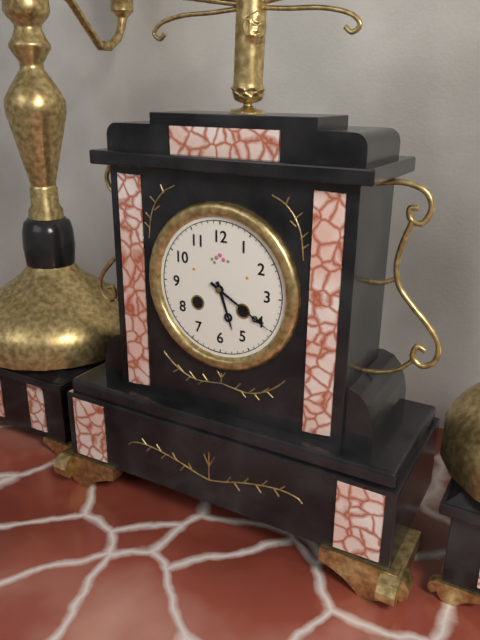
{"hour": 5, "minute": 20}
